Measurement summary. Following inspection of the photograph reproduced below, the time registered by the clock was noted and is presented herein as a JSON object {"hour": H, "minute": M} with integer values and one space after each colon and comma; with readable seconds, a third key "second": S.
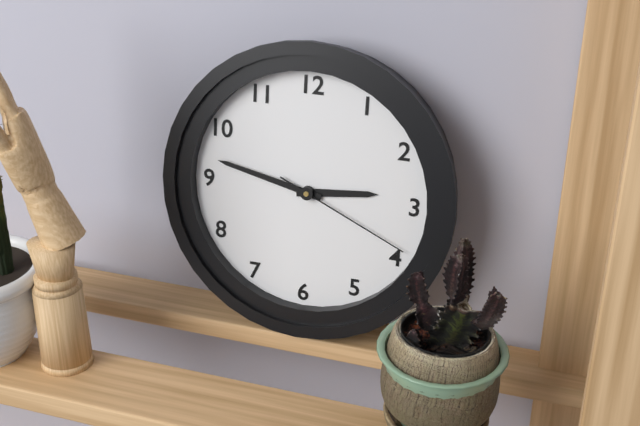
{"hour": 2, "minute": 47, "second": 19}
